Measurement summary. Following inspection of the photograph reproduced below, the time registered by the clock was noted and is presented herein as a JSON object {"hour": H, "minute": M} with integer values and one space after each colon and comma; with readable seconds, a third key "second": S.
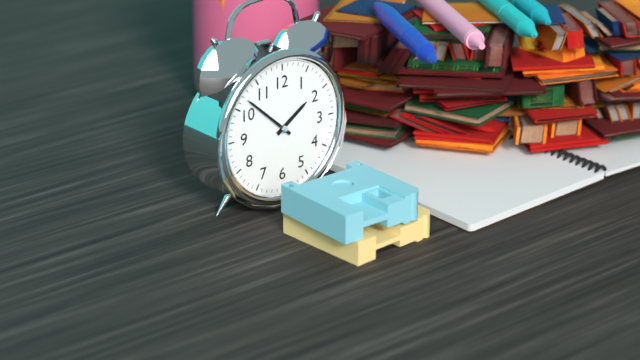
{"hour": 1, "minute": 52}
